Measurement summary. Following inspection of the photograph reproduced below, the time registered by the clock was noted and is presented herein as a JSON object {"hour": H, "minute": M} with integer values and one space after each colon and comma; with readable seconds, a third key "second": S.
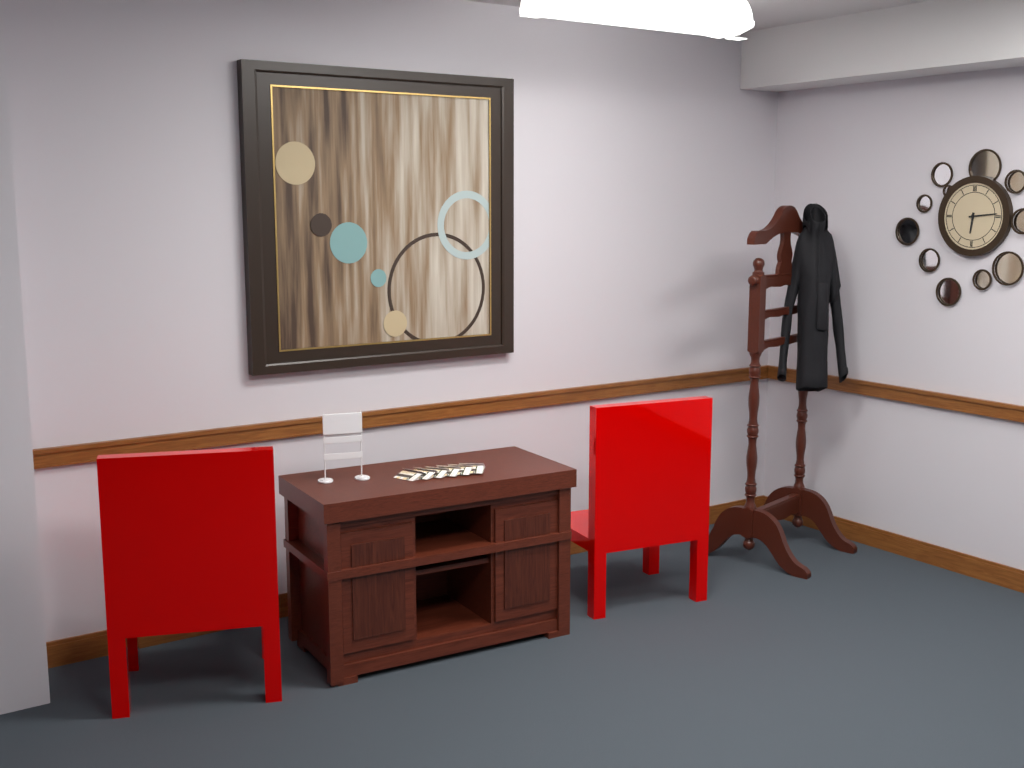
{"hour": 6, "minute": 14}
